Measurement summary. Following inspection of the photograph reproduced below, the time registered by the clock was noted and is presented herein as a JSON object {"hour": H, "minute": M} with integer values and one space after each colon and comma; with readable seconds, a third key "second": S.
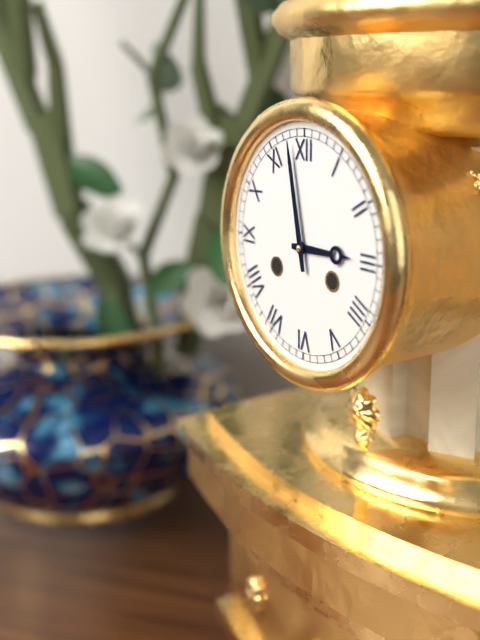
{"hour": 2, "minute": 58}
